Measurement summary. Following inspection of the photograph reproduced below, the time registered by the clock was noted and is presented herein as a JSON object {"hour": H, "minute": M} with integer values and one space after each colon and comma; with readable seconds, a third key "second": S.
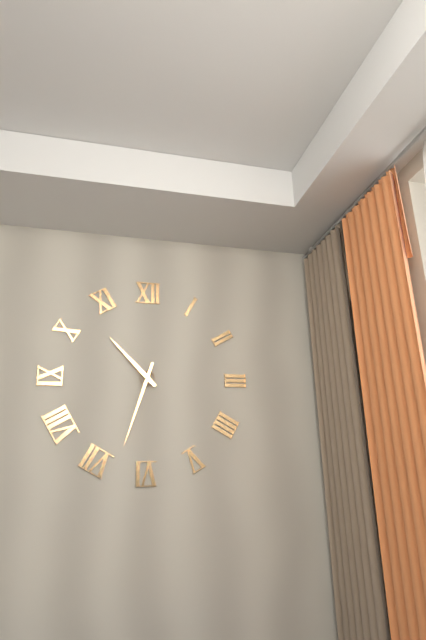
{"hour": 10, "minute": 33}
